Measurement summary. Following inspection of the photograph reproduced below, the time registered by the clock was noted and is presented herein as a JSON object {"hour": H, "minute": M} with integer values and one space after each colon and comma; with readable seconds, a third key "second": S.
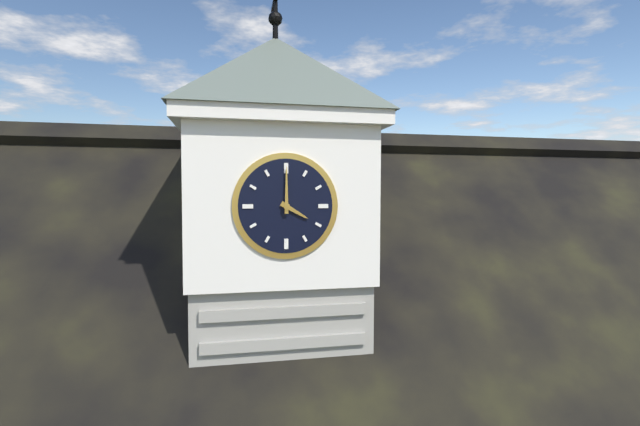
{"hour": 4, "minute": 0}
